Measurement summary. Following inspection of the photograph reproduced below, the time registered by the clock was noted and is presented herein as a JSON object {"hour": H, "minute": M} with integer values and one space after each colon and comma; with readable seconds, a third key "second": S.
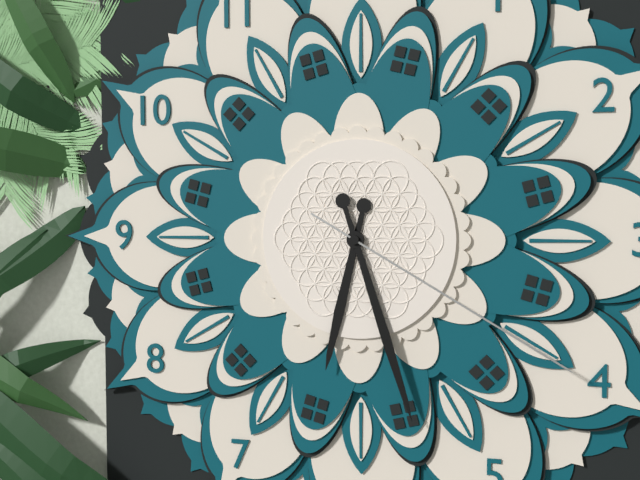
{"hour": 6, "minute": 27, "second": 20}
